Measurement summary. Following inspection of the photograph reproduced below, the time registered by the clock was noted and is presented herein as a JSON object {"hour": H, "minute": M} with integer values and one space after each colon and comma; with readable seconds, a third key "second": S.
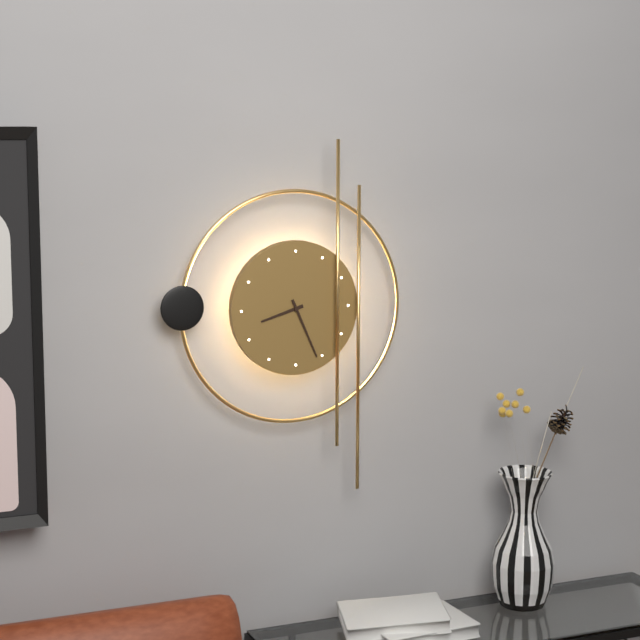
{"hour": 8, "minute": 26}
